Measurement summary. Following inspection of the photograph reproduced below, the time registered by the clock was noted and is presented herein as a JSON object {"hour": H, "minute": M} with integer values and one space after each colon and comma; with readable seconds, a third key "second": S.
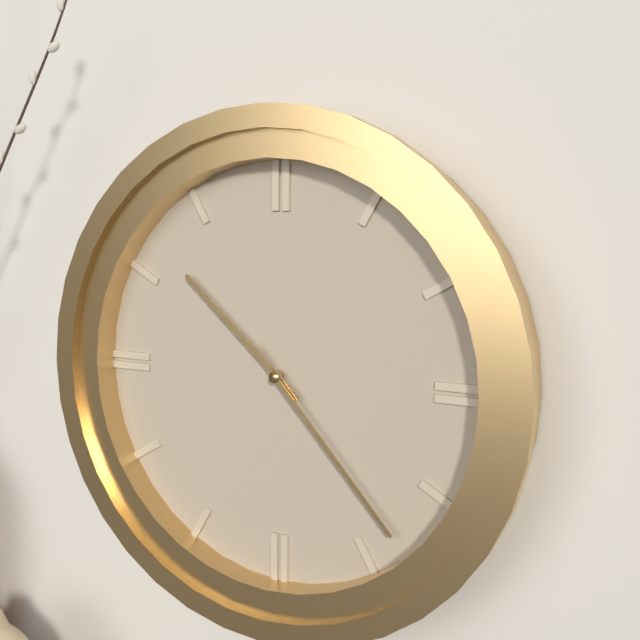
{"hour": 10, "minute": 23}
